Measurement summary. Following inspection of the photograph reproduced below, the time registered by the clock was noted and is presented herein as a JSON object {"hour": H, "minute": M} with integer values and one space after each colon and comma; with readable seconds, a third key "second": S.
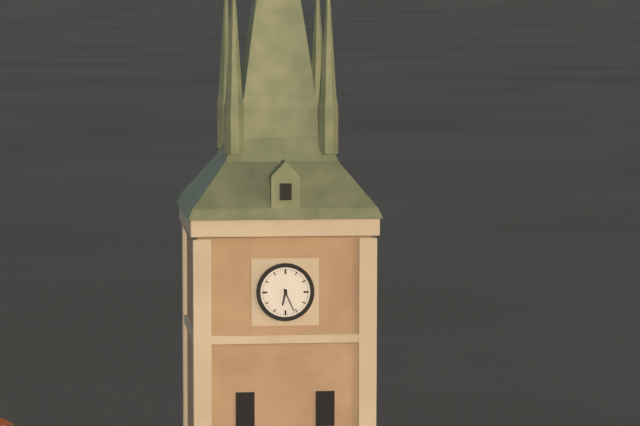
{"hour": 6, "minute": 26}
